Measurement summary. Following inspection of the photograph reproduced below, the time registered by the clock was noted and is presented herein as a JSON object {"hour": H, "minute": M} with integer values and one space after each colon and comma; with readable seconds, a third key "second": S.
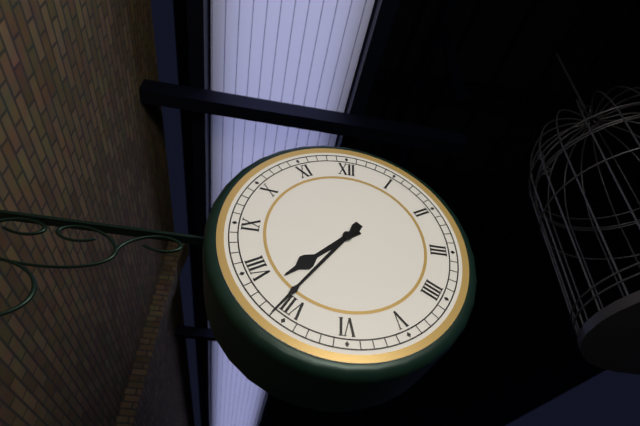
{"hour": 7, "minute": 36}
